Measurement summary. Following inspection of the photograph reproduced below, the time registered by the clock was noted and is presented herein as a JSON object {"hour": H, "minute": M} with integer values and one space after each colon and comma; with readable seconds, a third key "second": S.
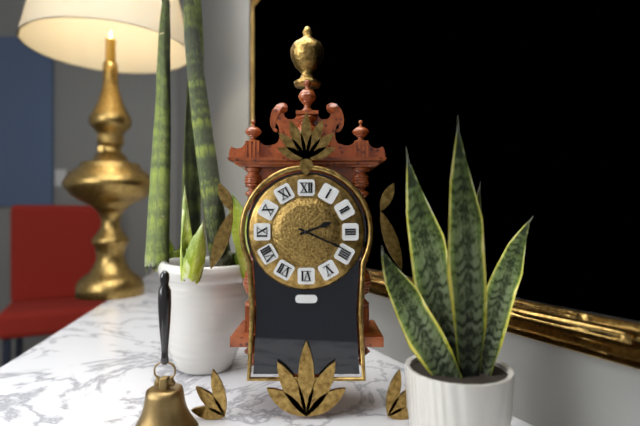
{"hour": 2, "minute": 19}
